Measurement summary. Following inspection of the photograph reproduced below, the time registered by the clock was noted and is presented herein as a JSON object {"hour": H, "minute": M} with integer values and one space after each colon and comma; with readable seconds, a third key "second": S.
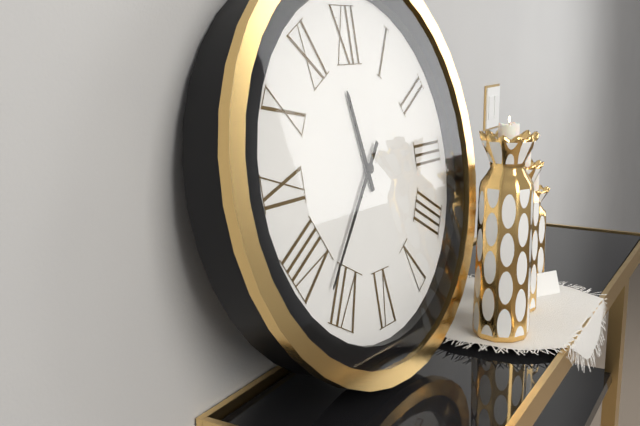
{"hour": 11, "minute": 37}
